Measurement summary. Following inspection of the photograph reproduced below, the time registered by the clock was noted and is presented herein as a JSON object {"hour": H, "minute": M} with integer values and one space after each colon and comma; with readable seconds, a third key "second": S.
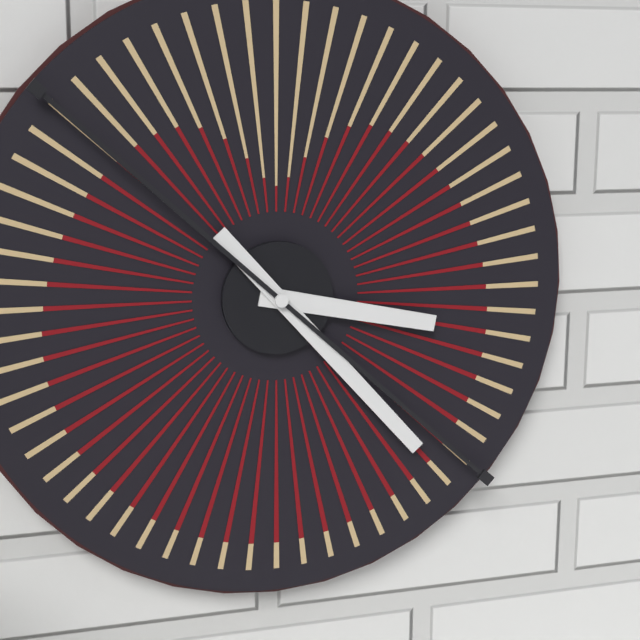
{"hour": 3, "minute": 23}
